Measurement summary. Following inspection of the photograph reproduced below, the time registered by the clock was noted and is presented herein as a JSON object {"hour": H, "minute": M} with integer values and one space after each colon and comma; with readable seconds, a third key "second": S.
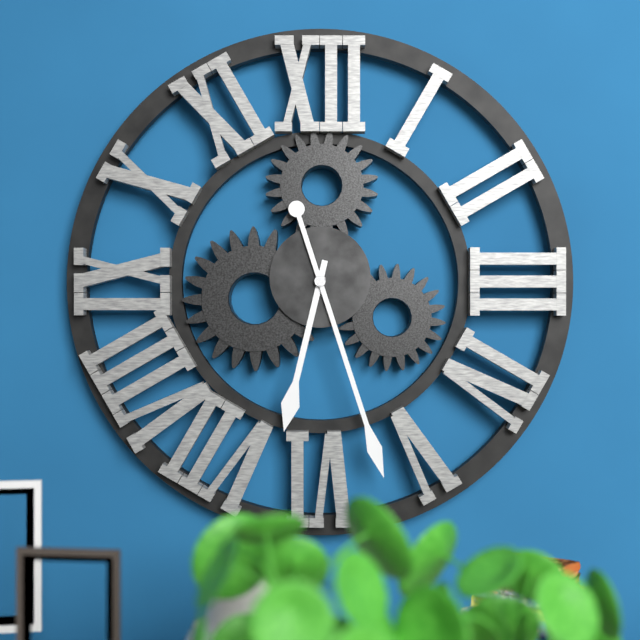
{"hour": 6, "minute": 27}
